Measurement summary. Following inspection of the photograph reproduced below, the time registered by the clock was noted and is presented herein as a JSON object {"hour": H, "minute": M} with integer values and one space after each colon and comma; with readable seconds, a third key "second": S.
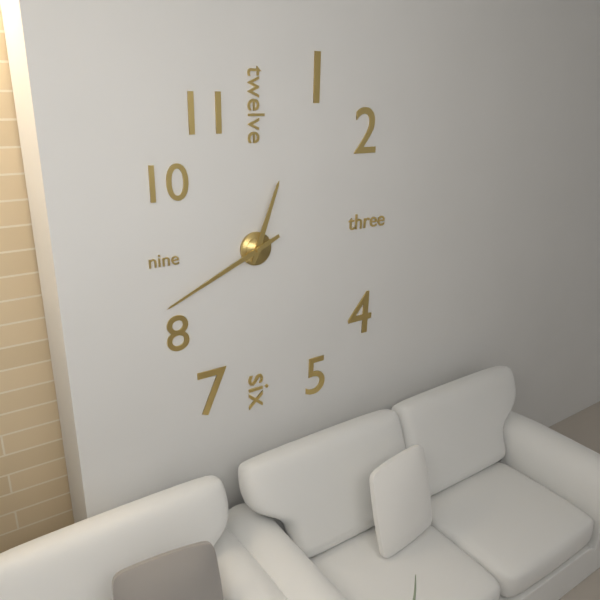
{"hour": 12, "minute": 41}
